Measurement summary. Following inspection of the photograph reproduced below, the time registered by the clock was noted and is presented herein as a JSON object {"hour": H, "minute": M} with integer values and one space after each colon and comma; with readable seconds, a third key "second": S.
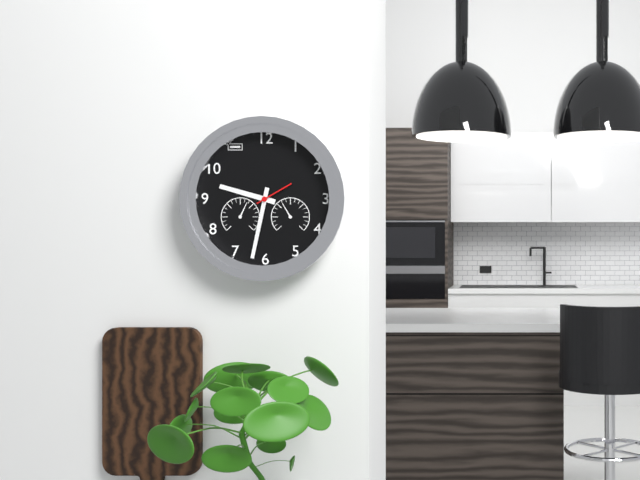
{"hour": 9, "minute": 32}
